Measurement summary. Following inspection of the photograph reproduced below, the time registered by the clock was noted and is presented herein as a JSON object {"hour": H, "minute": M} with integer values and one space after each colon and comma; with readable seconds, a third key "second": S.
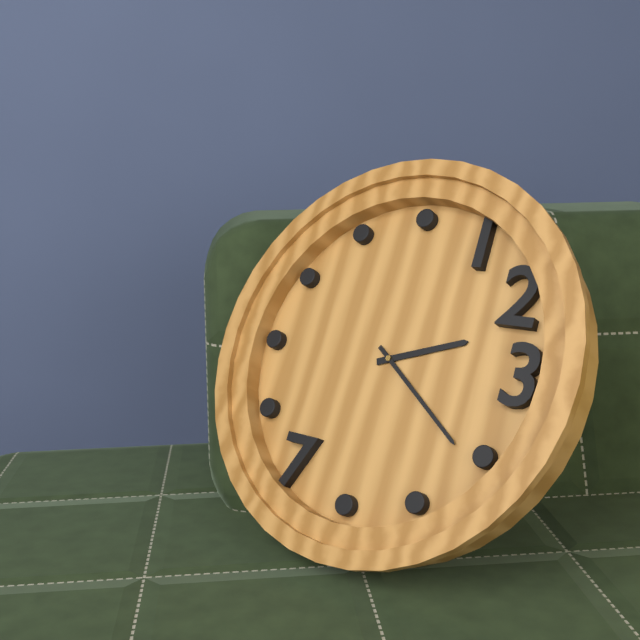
{"hour": 2, "minute": 21}
